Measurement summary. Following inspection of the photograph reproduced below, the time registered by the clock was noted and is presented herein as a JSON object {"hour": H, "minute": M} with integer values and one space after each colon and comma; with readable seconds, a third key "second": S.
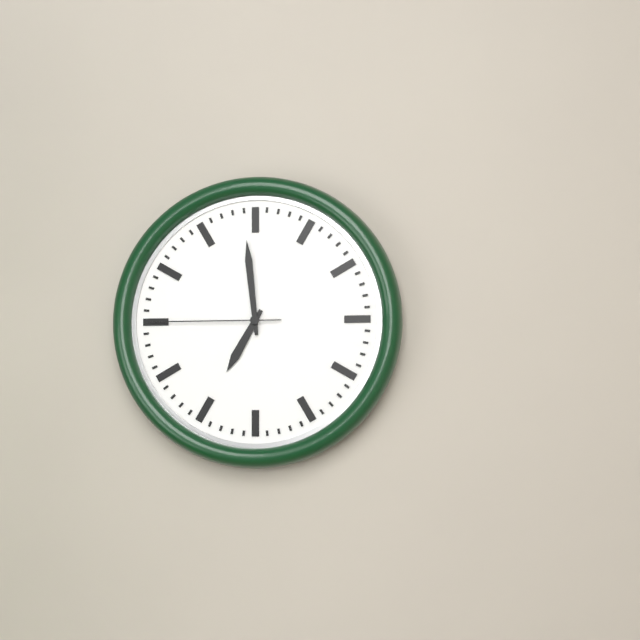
{"hour": 6, "minute": 59, "second": 45}
